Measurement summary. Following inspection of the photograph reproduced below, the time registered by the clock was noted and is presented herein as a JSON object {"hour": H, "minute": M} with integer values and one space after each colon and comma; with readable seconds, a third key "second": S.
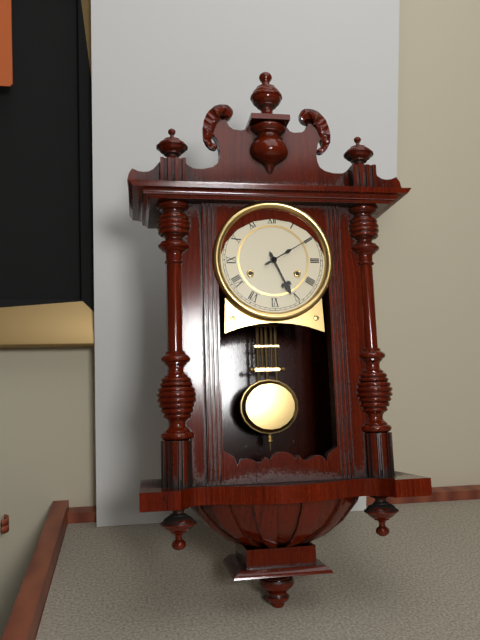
{"hour": 5, "minute": 10}
